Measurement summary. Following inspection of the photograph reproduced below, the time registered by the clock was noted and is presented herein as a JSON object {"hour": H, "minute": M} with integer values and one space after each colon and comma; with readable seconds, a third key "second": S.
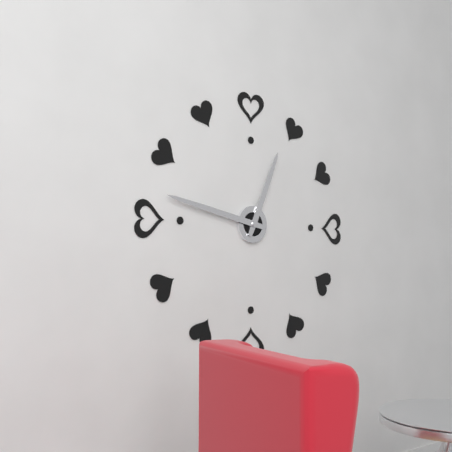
{"hour": 12, "minute": 47}
